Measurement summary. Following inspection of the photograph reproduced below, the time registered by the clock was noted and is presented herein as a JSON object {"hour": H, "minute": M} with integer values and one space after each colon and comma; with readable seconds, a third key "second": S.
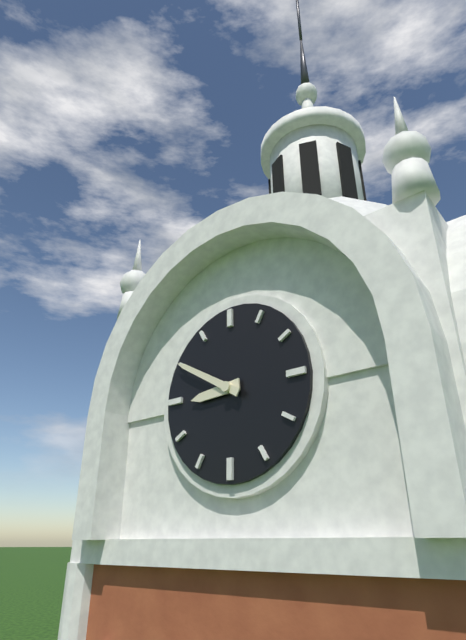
{"hour": 8, "minute": 50}
